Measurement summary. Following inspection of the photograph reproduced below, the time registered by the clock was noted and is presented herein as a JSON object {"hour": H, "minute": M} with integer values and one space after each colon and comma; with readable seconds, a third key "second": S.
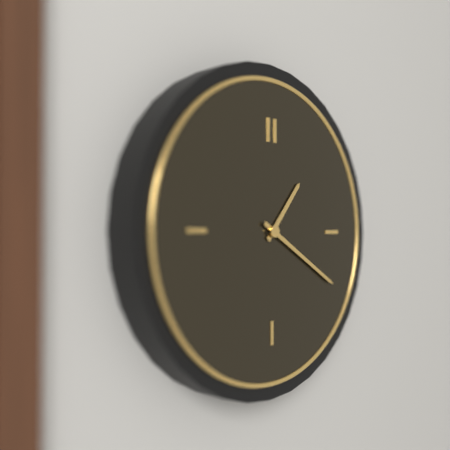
{"hour": 1, "minute": 20}
